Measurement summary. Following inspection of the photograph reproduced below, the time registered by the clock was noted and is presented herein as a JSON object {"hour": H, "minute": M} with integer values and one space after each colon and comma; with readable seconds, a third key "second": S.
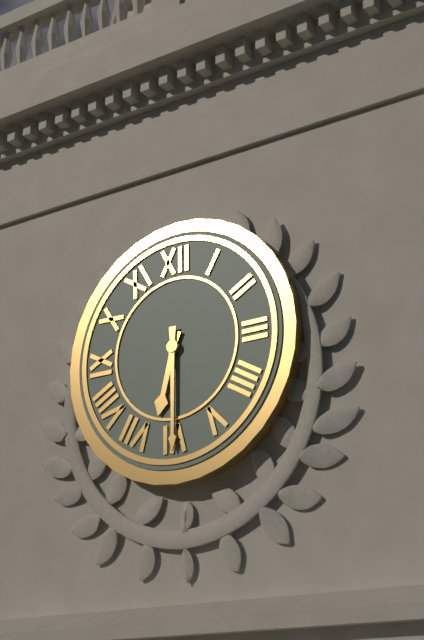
{"hour": 6, "minute": 30}
